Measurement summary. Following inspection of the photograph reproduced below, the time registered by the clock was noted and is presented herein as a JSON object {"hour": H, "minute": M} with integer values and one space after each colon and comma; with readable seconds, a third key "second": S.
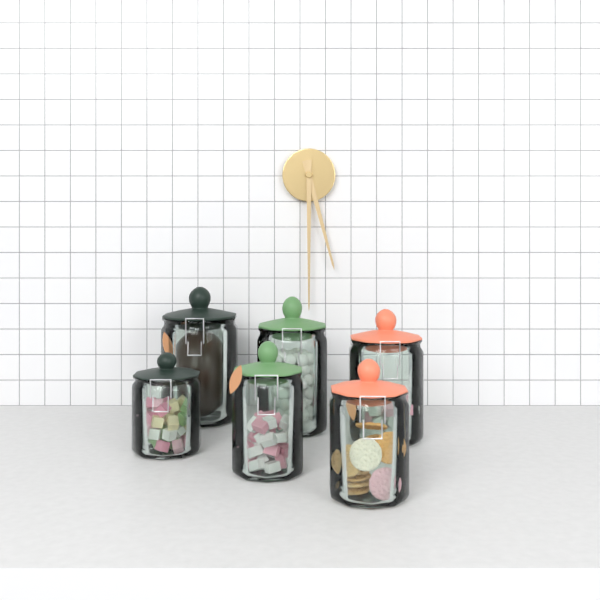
{"hour": 5, "minute": 30}
